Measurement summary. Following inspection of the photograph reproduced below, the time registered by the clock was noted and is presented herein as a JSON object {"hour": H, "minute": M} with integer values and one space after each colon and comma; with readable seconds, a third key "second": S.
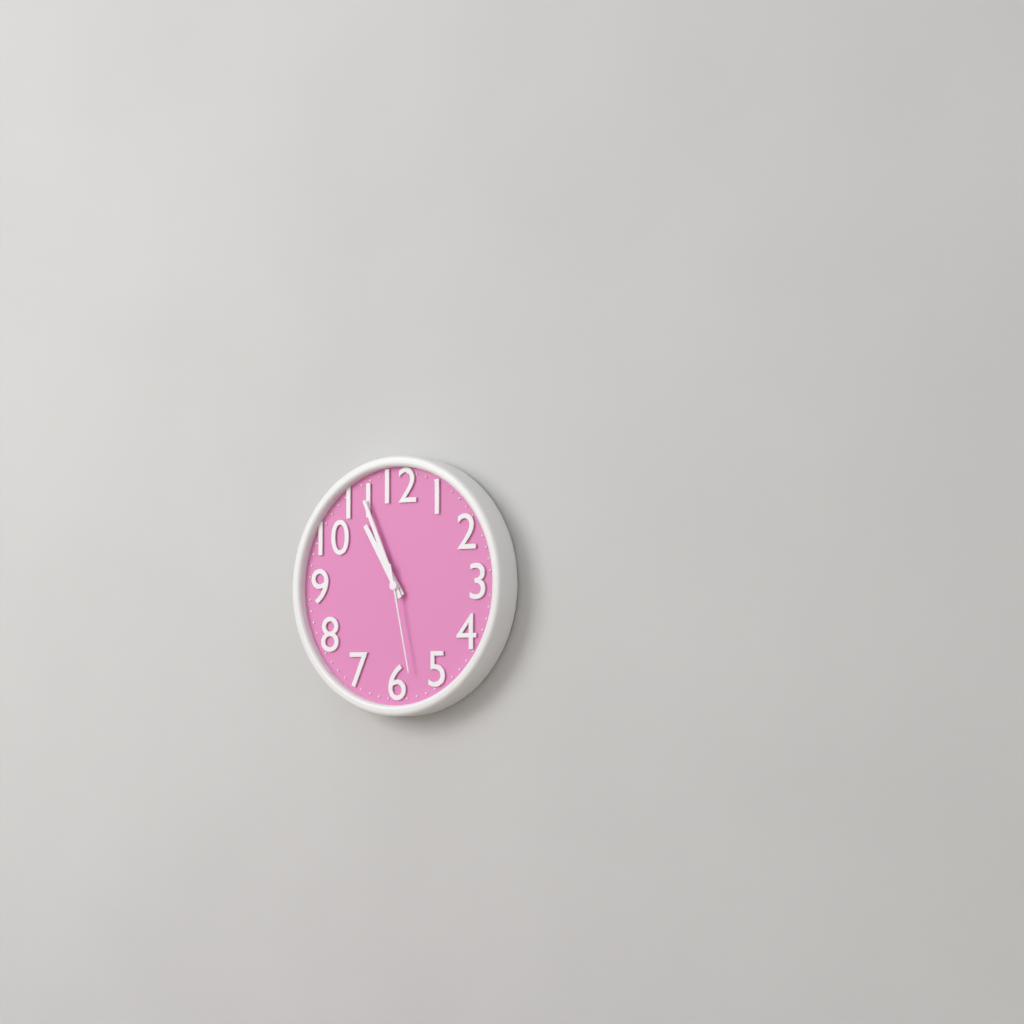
{"hour": 10, "minute": 56, "second": 28}
